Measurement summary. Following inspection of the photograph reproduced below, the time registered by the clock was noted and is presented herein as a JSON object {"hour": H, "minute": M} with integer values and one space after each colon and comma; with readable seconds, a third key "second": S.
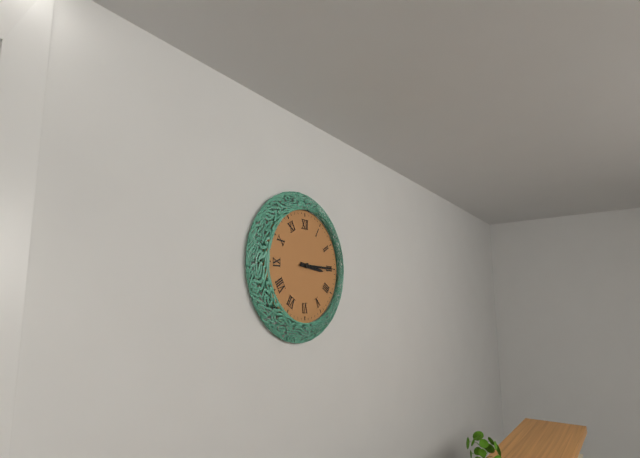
{"hour": 3, "minute": 15}
